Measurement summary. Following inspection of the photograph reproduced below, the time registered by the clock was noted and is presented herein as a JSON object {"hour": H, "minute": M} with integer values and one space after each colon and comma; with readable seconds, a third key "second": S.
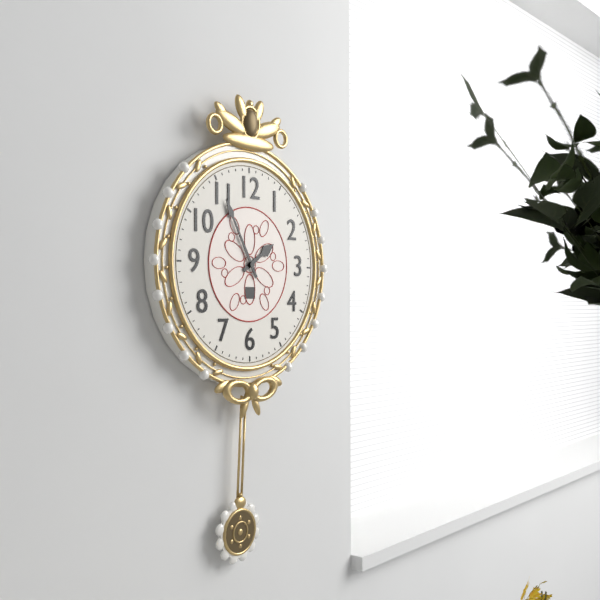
{"hour": 1, "minute": 55}
